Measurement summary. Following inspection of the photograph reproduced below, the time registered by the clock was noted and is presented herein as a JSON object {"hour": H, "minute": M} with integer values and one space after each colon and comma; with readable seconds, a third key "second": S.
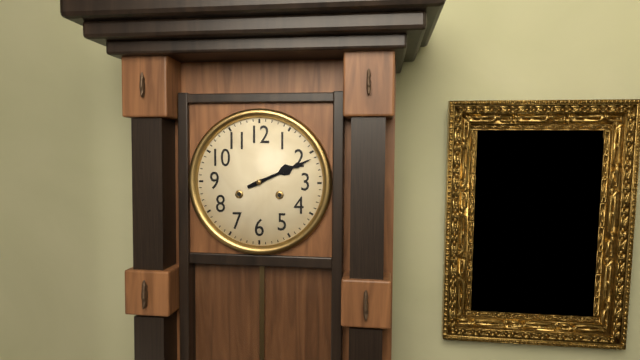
{"hour": 2, "minute": 11}
